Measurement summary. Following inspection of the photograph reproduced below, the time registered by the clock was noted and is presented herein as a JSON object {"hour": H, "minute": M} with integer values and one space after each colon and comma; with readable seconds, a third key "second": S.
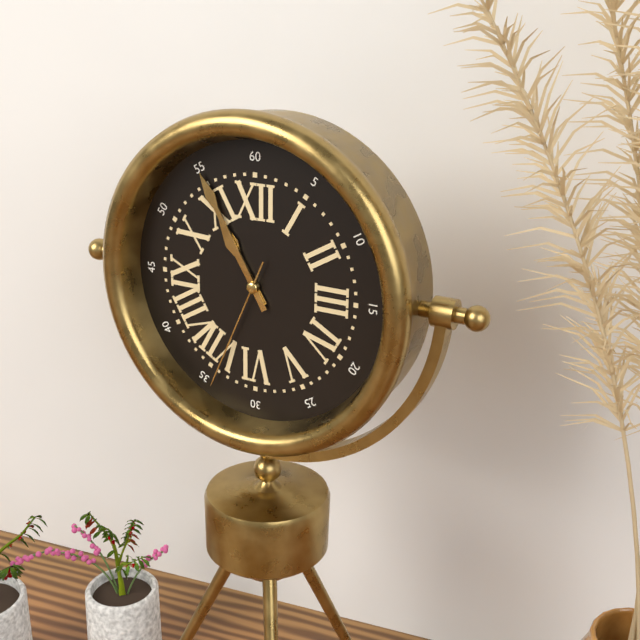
{"hour": 10, "minute": 55, "second": 34}
